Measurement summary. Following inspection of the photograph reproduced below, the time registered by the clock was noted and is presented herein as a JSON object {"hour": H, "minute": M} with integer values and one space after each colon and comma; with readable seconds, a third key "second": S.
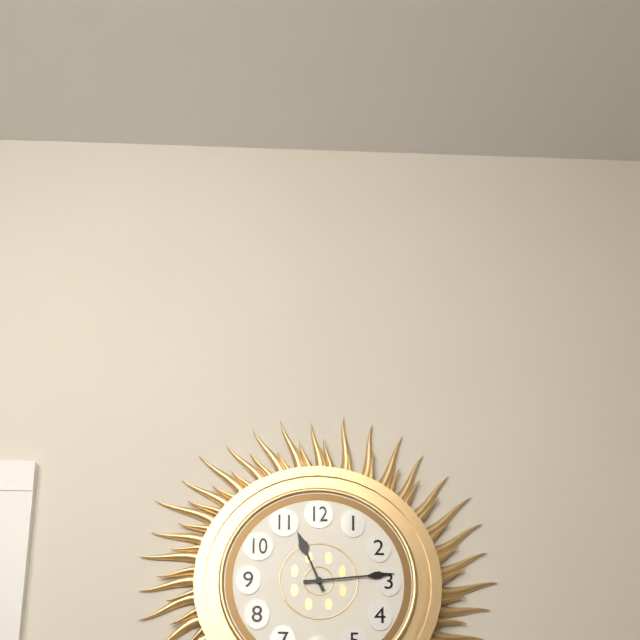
{"hour": 11, "minute": 14}
